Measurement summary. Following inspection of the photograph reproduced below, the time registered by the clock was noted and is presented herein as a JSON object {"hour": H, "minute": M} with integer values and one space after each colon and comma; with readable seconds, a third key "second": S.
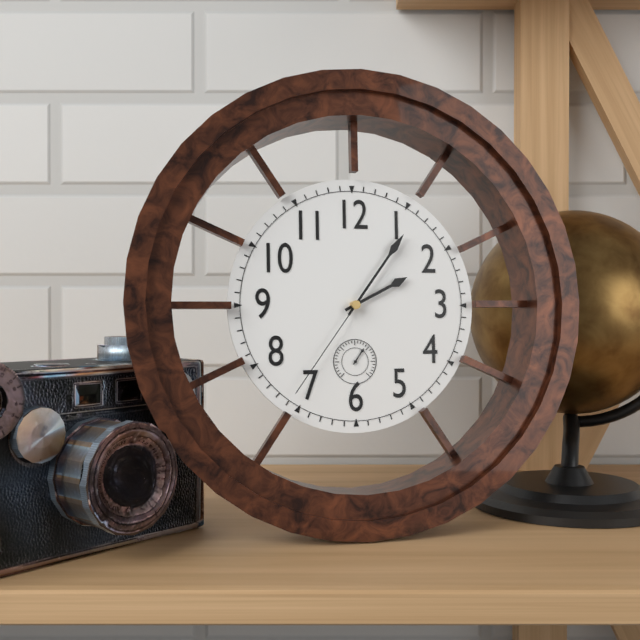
{"hour": 2, "minute": 6, "second": 36}
